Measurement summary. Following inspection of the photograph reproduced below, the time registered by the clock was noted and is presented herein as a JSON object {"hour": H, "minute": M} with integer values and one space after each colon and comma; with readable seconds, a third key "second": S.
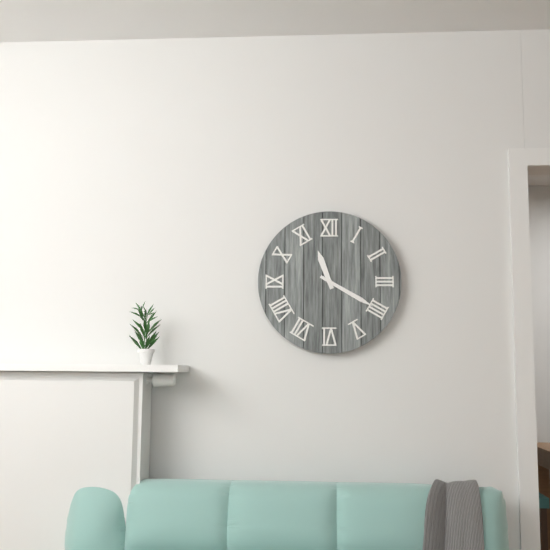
{"hour": 11, "minute": 20}
